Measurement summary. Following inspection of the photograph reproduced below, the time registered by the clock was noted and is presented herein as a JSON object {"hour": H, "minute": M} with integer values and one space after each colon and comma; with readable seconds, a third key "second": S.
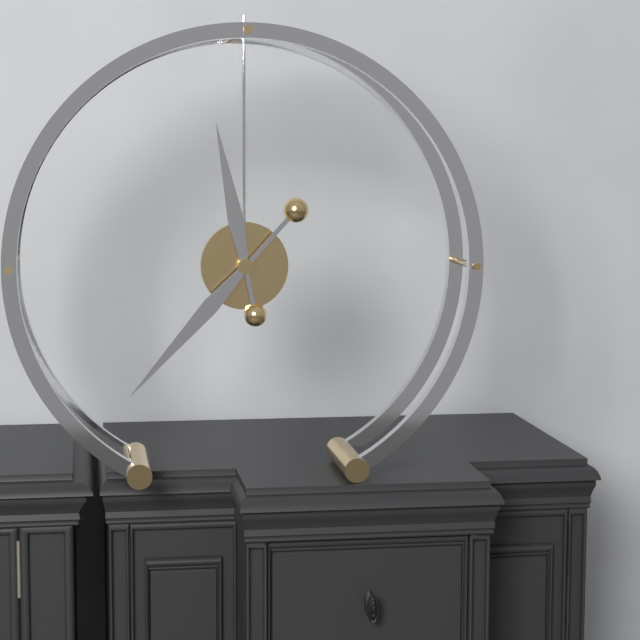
{"hour": 11, "minute": 37}
